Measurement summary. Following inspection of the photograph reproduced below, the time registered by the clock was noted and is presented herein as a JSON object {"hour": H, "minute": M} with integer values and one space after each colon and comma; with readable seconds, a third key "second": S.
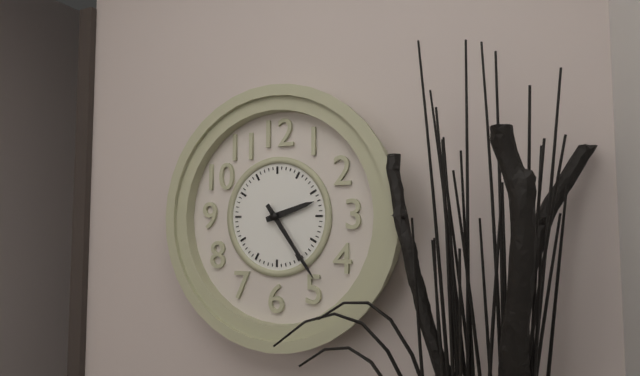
{"hour": 2, "minute": 24}
